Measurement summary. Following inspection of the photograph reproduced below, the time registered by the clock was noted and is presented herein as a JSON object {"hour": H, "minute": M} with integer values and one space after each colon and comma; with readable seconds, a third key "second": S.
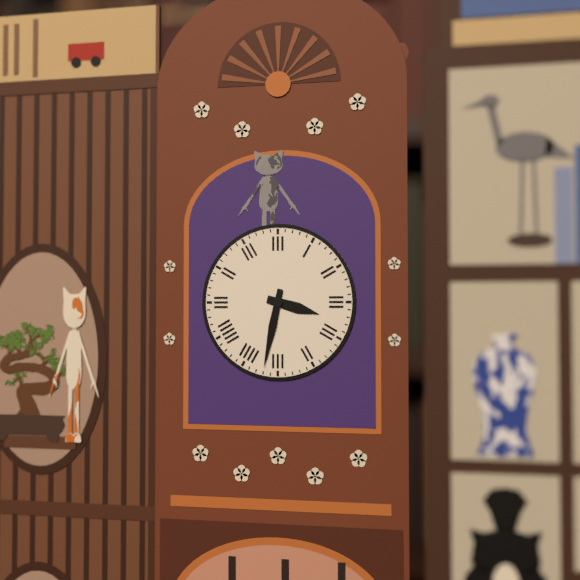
{"hour": 3, "minute": 32}
